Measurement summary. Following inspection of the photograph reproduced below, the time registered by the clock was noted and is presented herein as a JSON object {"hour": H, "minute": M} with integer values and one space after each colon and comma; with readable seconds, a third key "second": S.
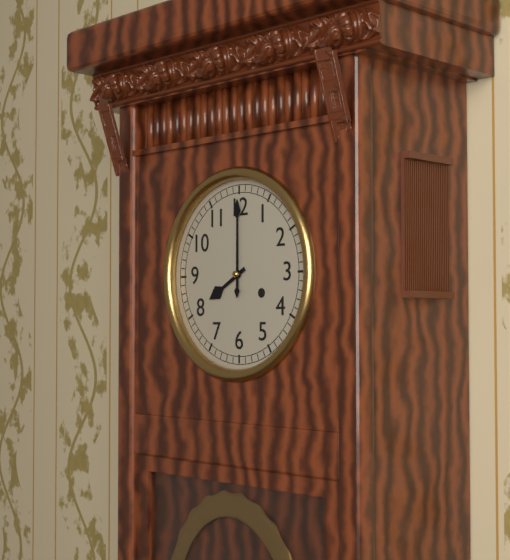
{"hour": 8, "minute": 0}
